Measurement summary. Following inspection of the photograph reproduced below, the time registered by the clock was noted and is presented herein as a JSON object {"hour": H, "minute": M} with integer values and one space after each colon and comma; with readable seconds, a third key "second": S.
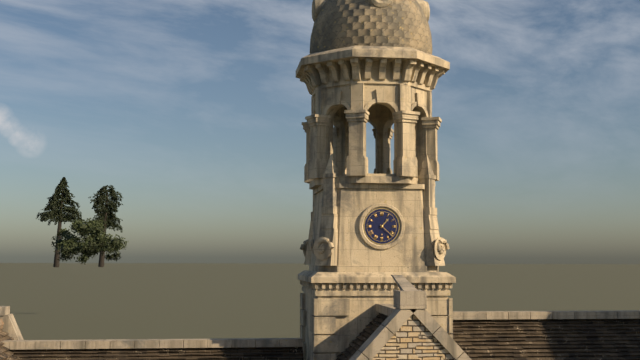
{"hour": 1, "minute": 22}
